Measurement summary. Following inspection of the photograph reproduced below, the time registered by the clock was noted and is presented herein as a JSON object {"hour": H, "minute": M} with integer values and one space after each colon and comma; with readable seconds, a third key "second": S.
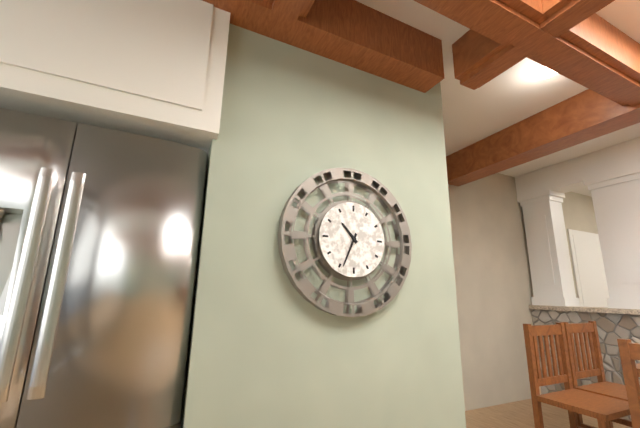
{"hour": 10, "minute": 34}
